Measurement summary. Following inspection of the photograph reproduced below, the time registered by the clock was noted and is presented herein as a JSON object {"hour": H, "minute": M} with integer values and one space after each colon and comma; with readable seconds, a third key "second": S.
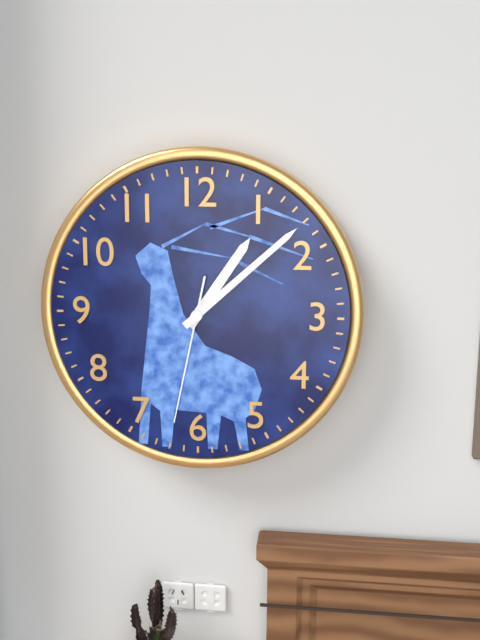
{"hour": 1, "minute": 8, "second": 32}
